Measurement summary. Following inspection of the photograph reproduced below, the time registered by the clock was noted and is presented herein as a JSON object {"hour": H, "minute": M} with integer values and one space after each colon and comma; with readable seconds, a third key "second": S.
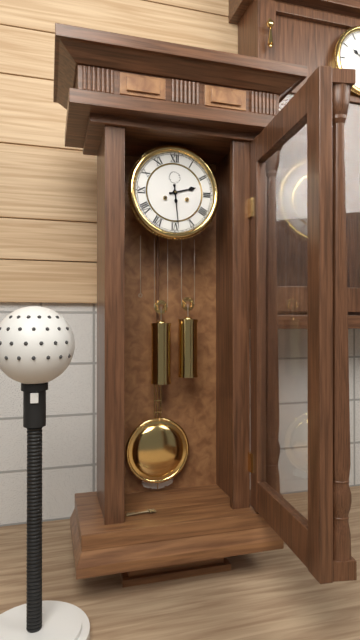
{"hour": 2, "minute": 29}
